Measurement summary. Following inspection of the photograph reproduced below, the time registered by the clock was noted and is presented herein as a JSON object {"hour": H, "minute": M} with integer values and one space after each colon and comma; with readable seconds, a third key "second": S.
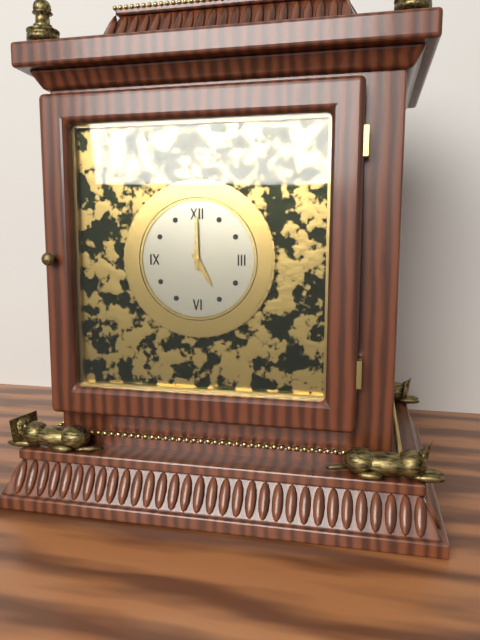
{"hour": 5, "minute": 0}
